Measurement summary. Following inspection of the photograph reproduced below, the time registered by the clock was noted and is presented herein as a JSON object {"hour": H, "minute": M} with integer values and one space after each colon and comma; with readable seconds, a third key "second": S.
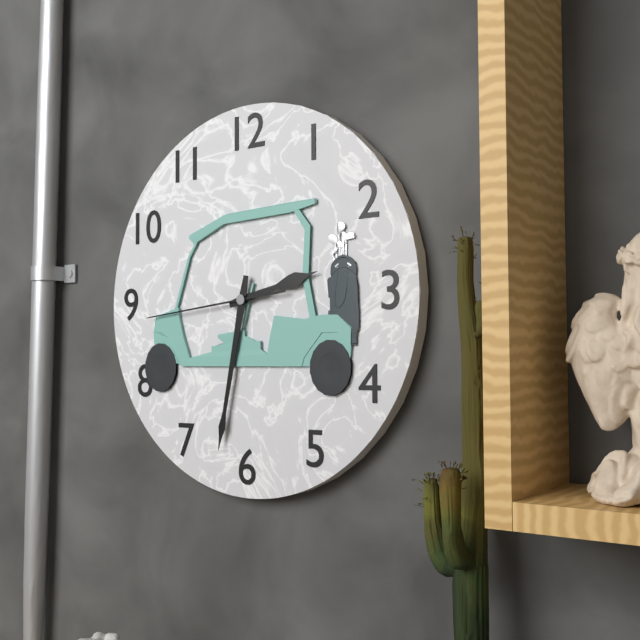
{"hour": 2, "minute": 32, "second": 44}
